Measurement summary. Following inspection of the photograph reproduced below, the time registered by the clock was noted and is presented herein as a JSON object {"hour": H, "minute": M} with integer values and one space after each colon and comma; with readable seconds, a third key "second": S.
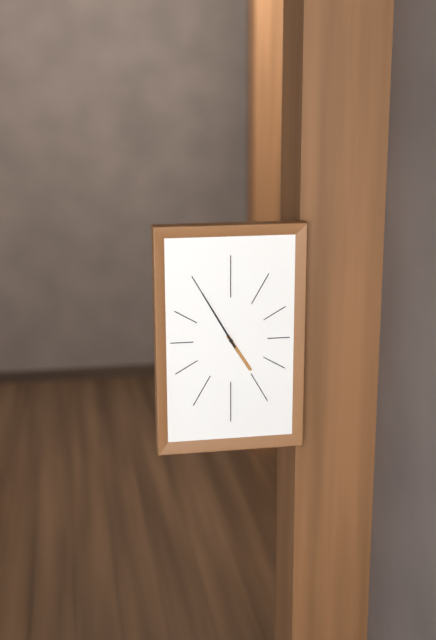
{"hour": 4, "minute": 55}
